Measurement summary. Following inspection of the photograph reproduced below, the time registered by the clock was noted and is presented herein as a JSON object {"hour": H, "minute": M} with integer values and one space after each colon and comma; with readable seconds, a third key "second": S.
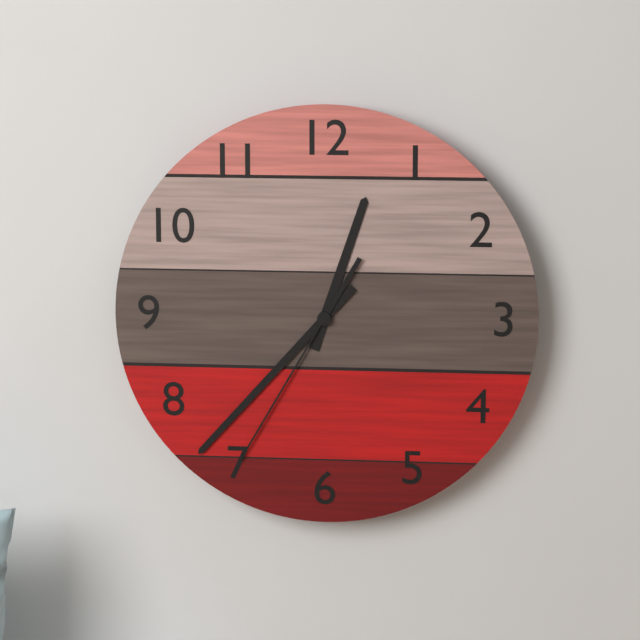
{"hour": 12, "minute": 37, "second": 35}
